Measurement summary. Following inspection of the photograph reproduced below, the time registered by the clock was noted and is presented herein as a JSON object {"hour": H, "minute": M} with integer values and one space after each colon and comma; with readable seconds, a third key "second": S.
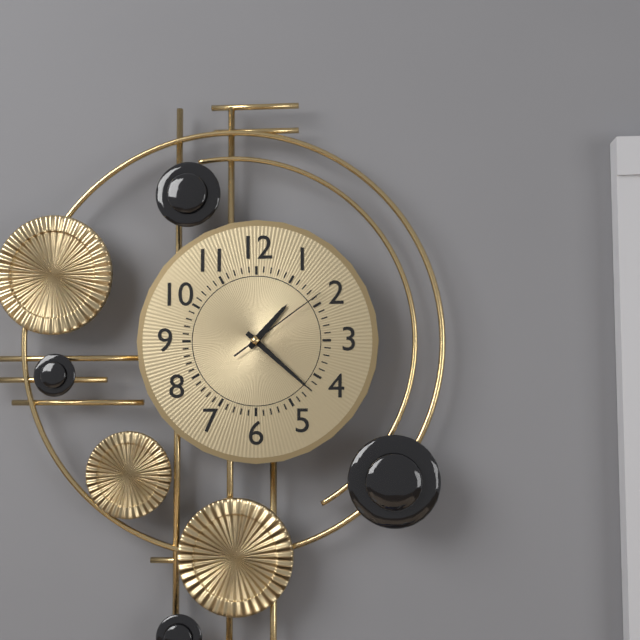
{"hour": 1, "minute": 22, "second": 9}
